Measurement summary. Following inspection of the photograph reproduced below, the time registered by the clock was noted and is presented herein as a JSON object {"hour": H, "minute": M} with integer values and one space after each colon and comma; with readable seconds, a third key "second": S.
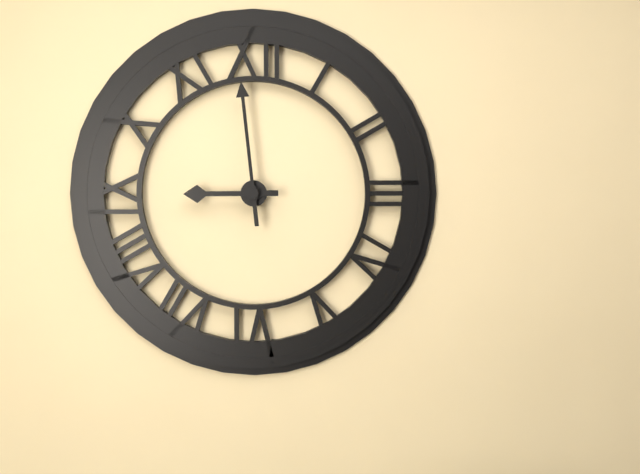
{"hour": 8, "minute": 59}
